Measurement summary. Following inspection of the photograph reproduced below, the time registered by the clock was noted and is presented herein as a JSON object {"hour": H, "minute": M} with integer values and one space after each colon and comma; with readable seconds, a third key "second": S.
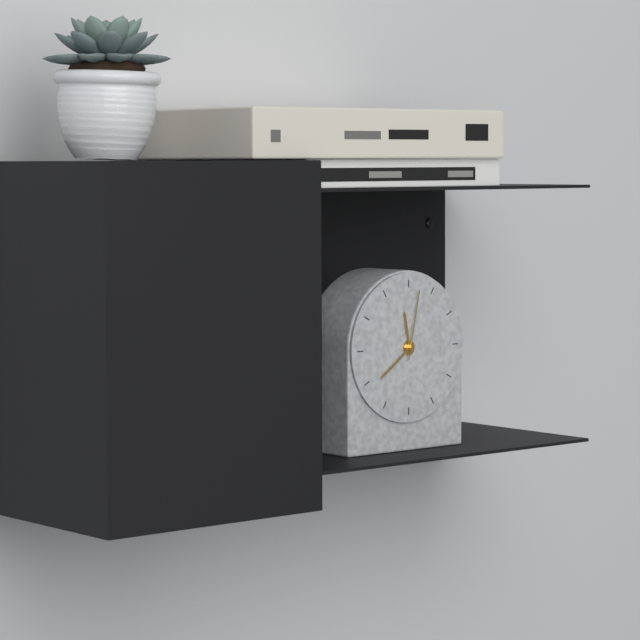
{"hour": 11, "minute": 39, "second": 2}
